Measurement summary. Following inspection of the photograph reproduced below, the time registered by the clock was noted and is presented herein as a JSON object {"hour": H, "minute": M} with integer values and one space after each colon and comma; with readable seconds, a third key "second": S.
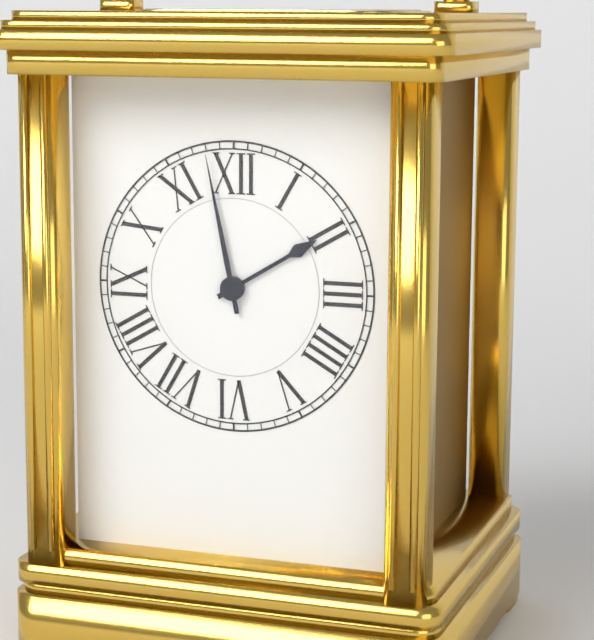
{"hour": 1, "minute": 58}
